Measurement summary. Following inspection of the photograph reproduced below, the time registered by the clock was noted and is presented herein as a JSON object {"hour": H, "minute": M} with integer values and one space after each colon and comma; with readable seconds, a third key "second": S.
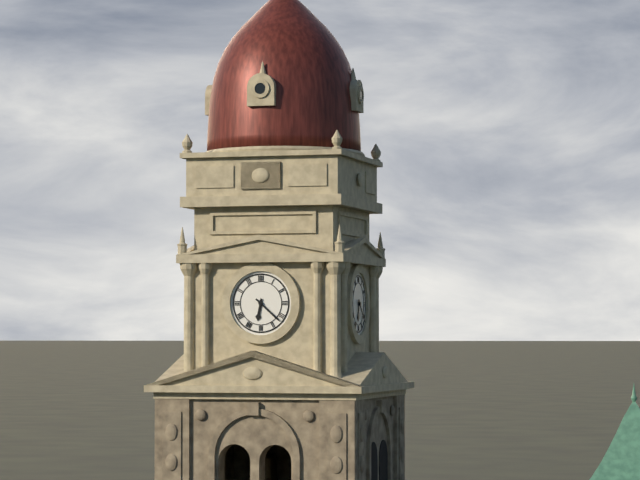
{"hour": 6, "minute": 22}
